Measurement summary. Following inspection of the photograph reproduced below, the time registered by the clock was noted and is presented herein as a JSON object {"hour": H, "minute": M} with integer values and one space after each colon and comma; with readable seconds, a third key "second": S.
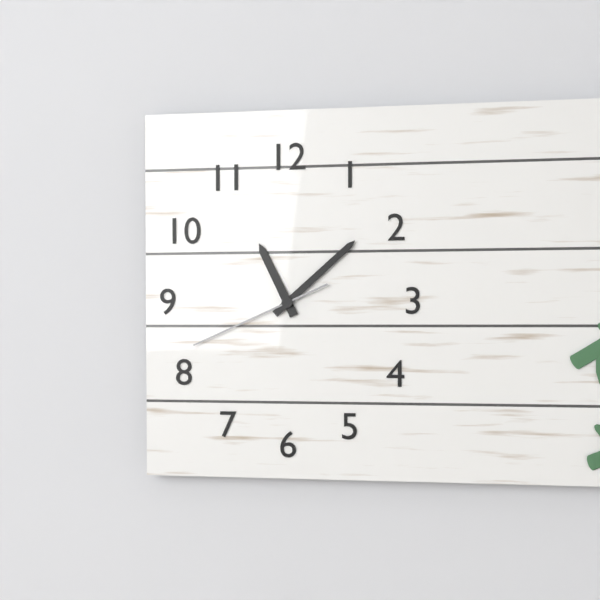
{"hour": 11, "minute": 8, "second": 41}
